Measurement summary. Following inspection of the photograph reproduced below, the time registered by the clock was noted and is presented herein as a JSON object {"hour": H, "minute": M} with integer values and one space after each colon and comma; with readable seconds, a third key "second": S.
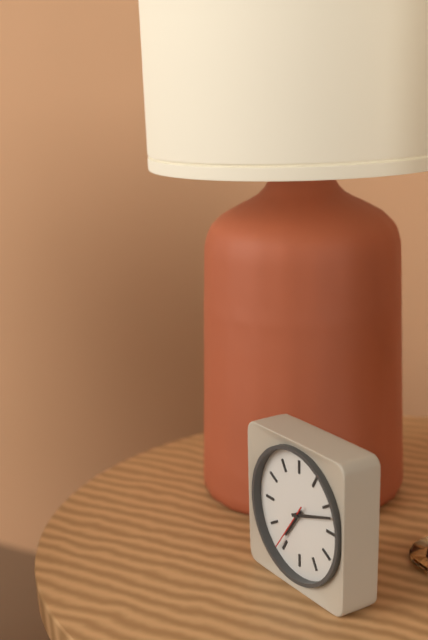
{"hour": 7, "minute": 12}
